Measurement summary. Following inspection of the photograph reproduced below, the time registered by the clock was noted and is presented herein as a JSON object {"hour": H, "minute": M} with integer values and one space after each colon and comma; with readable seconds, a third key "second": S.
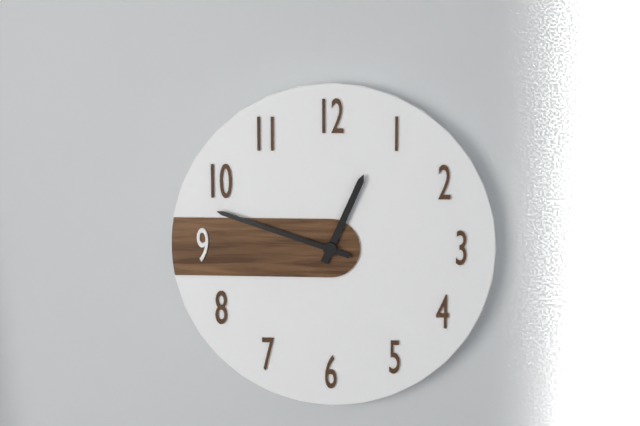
{"hour": 12, "minute": 48}
